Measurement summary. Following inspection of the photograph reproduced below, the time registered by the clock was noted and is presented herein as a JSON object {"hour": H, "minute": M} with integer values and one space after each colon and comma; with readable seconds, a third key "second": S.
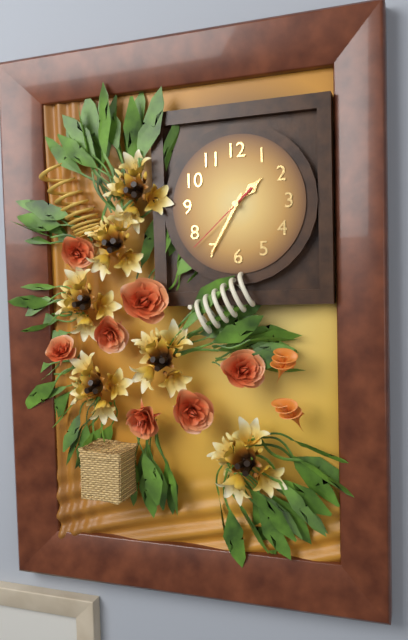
{"hour": 1, "minute": 35, "second": 38}
